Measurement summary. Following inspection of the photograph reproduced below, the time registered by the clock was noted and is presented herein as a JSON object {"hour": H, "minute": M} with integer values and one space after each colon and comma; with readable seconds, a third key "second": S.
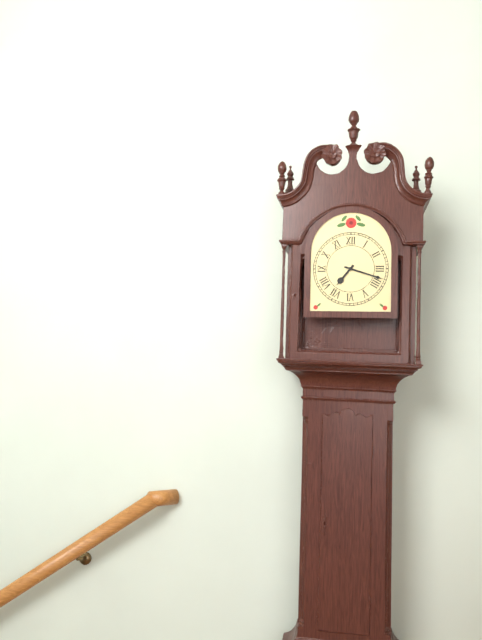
{"hour": 7, "minute": 18}
